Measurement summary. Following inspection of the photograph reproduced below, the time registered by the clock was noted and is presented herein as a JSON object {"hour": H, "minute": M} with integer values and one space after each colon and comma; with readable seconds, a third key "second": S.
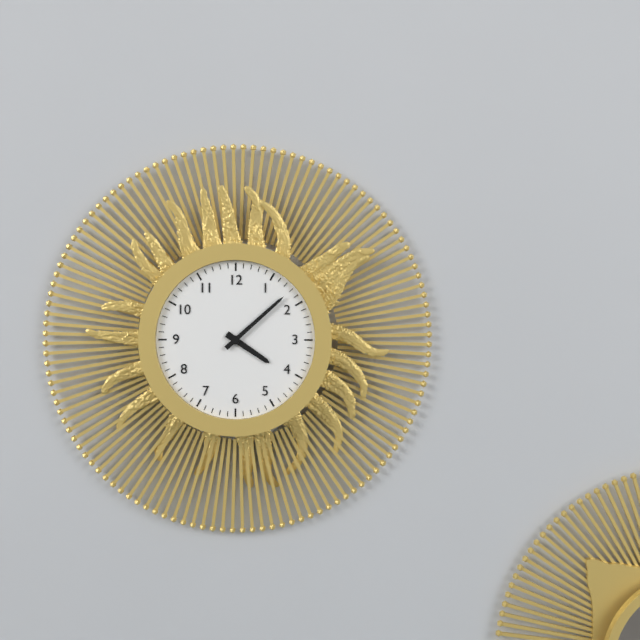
{"hour": 4, "minute": 8}
